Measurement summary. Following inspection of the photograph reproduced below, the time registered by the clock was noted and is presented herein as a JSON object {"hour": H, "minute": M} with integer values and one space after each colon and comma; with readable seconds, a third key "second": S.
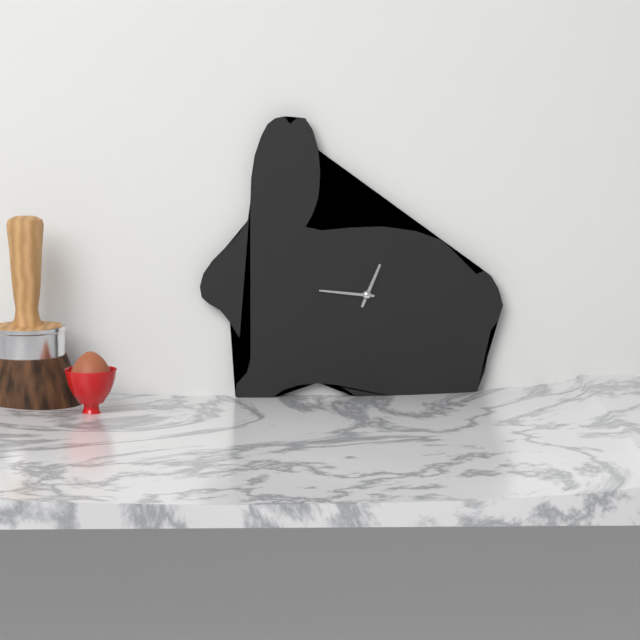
{"hour": 12, "minute": 46}
